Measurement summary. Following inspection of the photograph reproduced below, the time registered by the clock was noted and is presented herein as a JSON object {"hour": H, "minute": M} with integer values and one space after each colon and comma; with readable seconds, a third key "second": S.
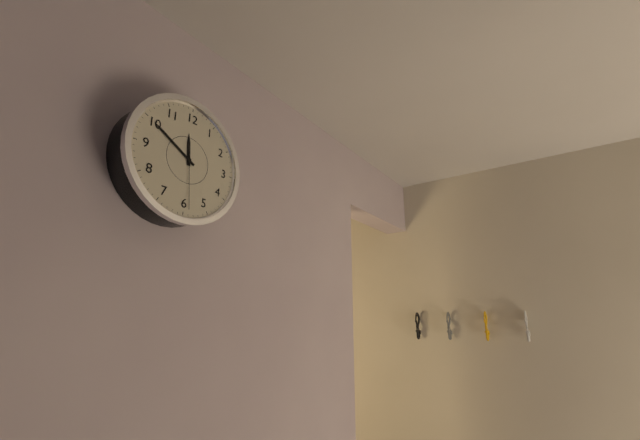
{"hour": 11, "minute": 50, "second": 29}
